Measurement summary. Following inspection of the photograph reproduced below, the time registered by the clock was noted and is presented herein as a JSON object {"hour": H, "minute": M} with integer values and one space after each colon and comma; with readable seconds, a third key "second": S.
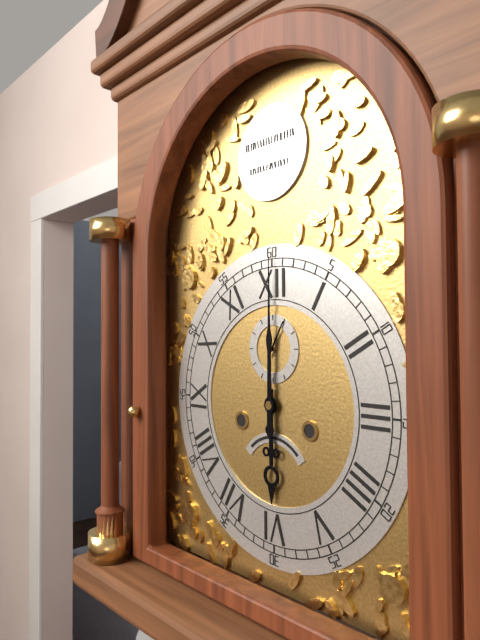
{"hour": 6, "minute": 0}
